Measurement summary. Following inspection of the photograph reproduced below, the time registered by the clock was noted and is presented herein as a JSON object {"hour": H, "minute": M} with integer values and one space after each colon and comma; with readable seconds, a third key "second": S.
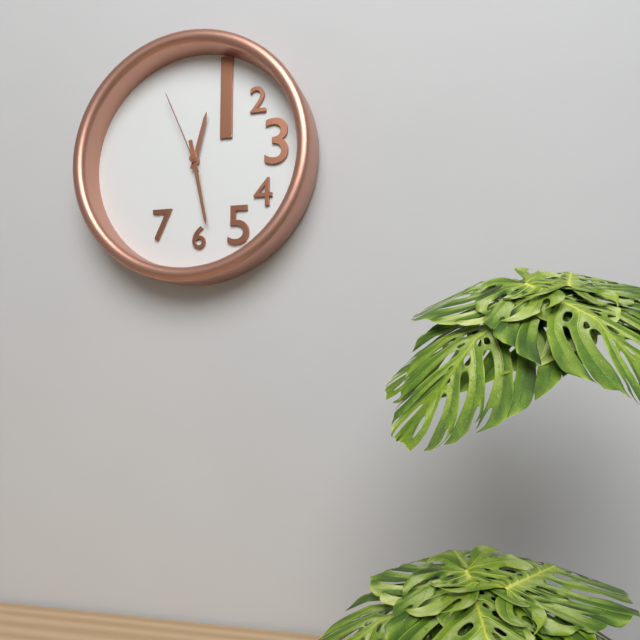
{"hour": 12, "minute": 28, "second": 56}
